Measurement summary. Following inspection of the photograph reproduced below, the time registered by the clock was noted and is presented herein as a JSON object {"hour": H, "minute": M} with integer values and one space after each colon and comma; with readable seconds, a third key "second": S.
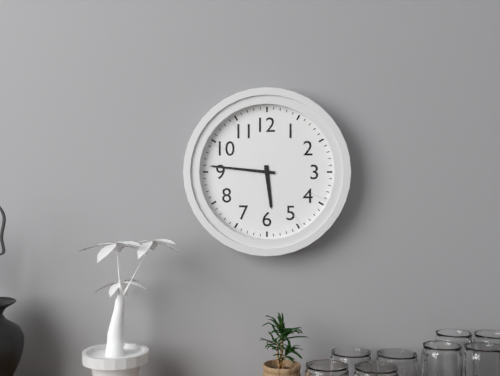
{"hour": 5, "minute": 46}
